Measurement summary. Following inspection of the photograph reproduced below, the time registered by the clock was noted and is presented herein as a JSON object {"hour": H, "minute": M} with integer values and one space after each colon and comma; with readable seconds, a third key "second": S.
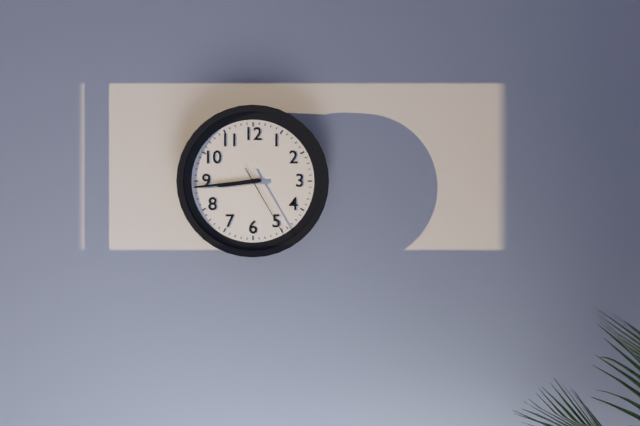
{"hour": 8, "minute": 44, "second": 25}
